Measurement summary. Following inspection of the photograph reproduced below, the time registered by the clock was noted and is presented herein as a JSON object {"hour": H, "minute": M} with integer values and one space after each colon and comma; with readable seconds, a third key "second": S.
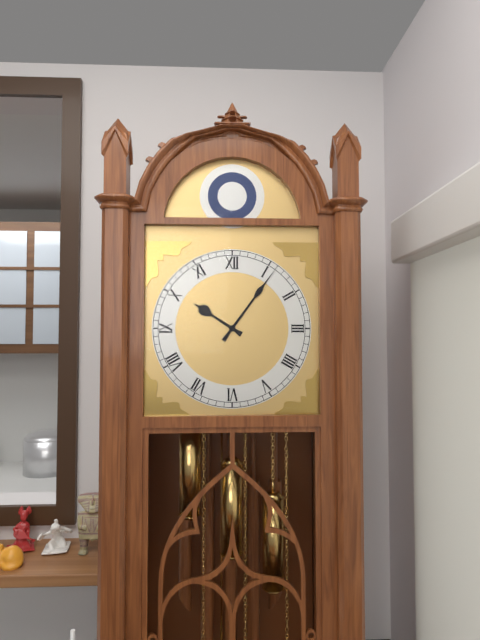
{"hour": 10, "minute": 6}
